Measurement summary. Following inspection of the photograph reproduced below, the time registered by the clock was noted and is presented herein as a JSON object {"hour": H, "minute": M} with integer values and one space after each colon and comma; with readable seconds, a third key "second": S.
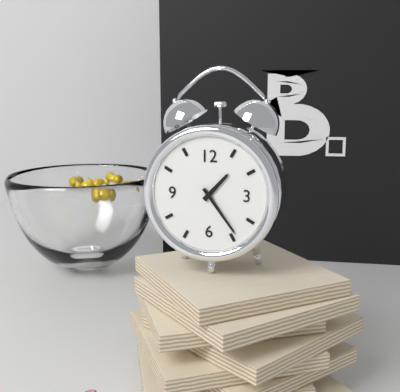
{"hour": 1, "minute": 24}
